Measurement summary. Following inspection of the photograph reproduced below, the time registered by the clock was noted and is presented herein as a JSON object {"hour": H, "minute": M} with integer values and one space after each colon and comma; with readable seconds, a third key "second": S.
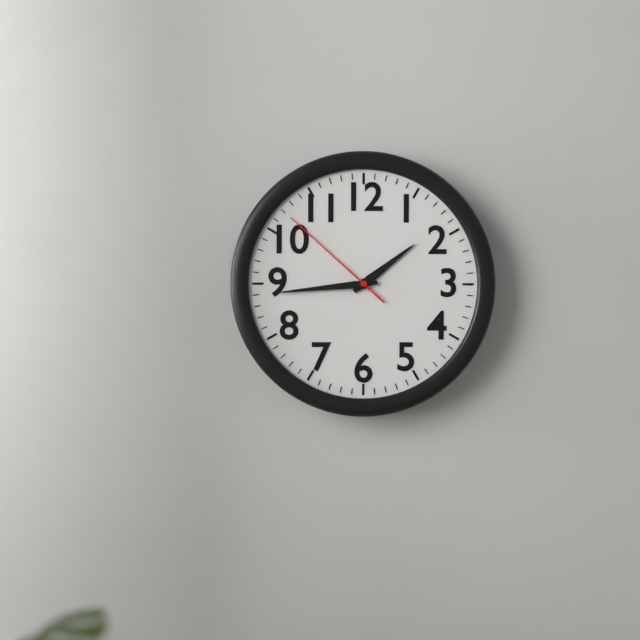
{"hour": 1, "minute": 44, "second": 52}
